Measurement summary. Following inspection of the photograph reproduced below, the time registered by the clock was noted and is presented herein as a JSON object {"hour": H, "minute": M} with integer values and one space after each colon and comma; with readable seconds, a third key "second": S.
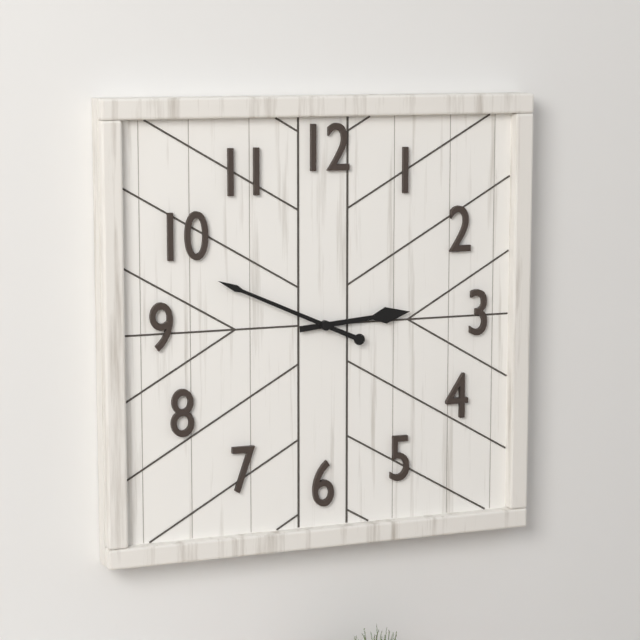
{"hour": 2, "minute": 49}
